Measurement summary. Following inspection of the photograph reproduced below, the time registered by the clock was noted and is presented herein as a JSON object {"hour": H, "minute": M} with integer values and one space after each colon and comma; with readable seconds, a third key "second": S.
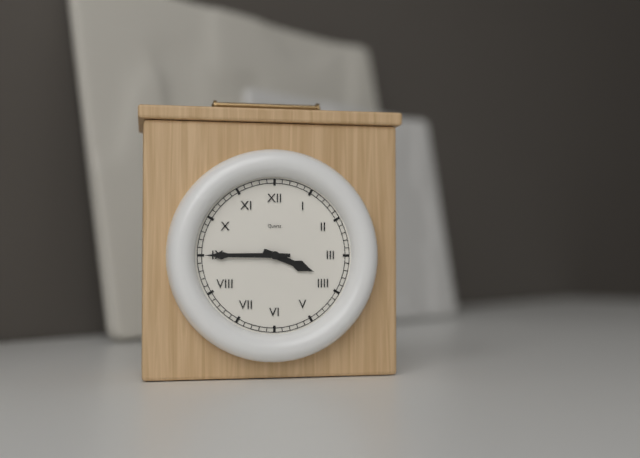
{"hour": 3, "minute": 45}
